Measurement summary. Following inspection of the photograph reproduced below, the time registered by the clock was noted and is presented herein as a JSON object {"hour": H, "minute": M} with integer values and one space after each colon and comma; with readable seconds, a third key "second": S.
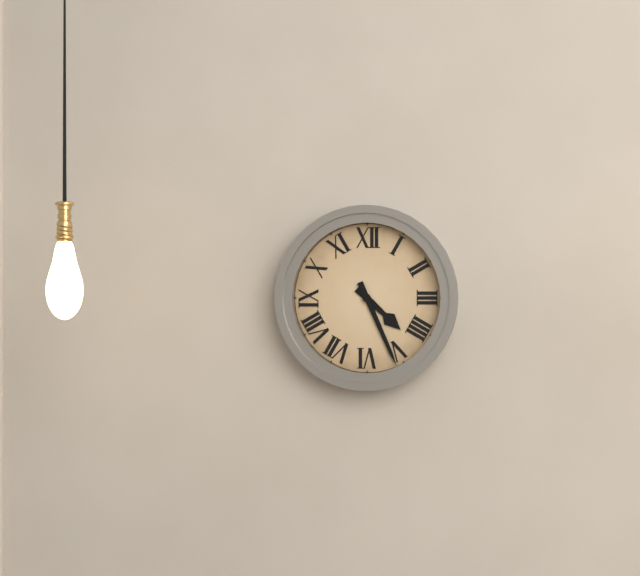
{"hour": 4, "minute": 26}
